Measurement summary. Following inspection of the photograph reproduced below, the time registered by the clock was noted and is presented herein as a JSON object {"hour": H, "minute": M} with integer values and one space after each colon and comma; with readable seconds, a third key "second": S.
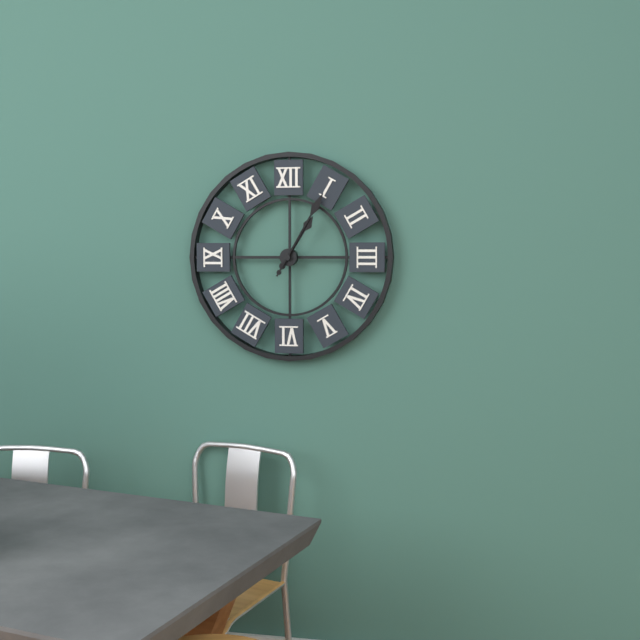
{"hour": 1, "minute": 5}
